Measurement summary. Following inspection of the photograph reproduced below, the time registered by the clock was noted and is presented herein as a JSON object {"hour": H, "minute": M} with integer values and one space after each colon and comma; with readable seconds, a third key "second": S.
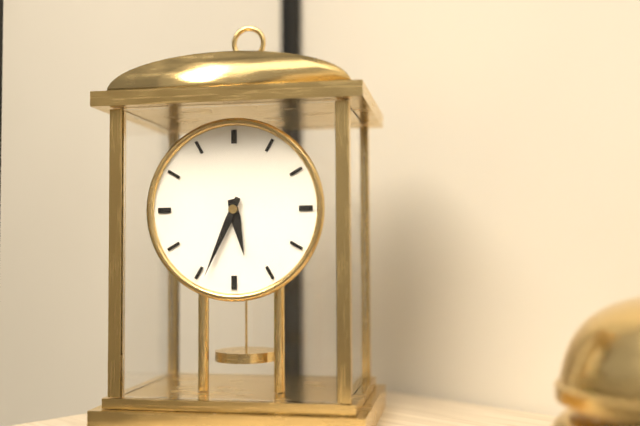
{"hour": 5, "minute": 34}
